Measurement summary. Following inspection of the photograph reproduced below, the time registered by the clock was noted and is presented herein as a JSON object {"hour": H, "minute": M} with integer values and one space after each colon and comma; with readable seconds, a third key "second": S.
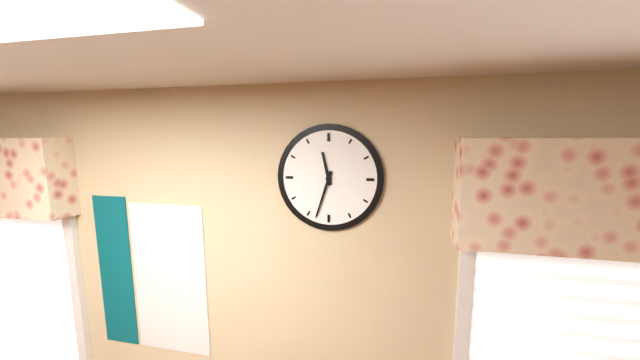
{"hour": 11, "minute": 33}
